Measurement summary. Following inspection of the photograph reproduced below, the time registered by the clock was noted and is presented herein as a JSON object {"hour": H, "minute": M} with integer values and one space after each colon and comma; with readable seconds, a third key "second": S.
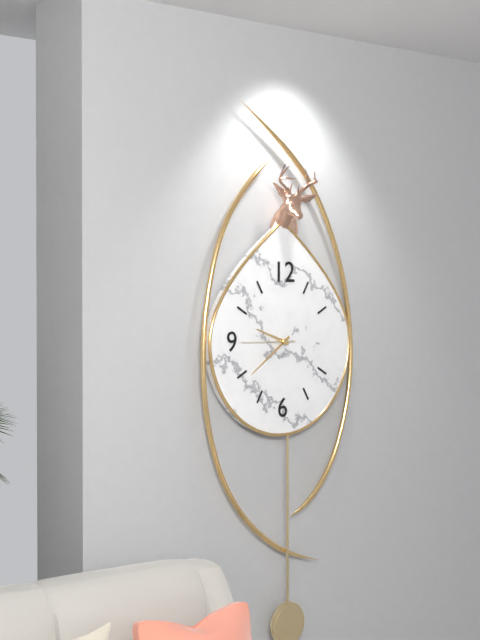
{"hour": 9, "minute": 39, "second": 45}
